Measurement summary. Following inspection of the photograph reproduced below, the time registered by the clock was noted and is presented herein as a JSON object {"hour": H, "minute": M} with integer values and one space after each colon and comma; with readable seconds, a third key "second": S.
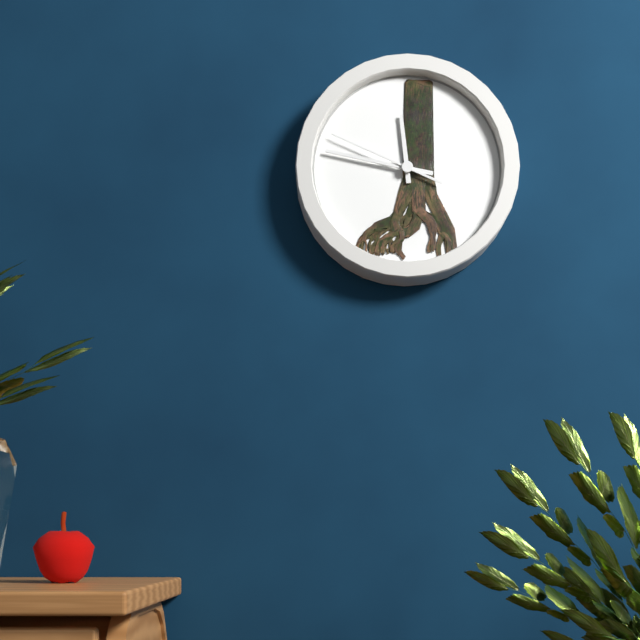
{"hour": 11, "minute": 47, "second": 49}
